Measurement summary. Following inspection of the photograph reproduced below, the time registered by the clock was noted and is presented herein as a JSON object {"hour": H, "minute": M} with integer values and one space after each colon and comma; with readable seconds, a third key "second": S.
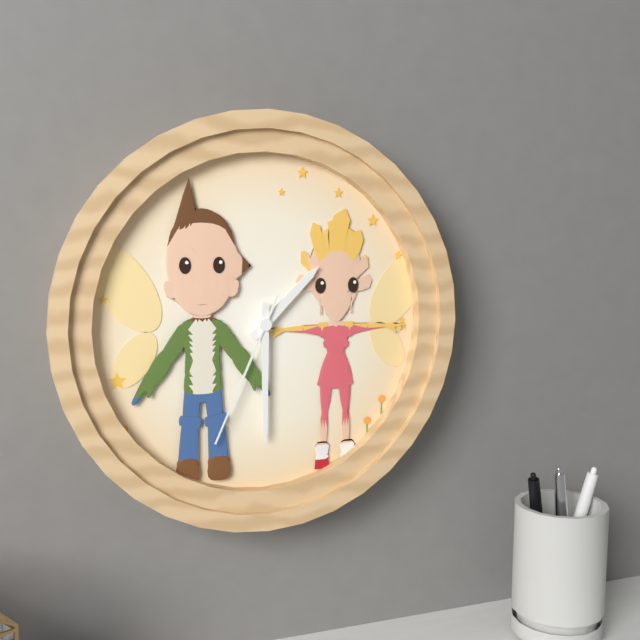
{"hour": 1, "minute": 30, "second": 34}
